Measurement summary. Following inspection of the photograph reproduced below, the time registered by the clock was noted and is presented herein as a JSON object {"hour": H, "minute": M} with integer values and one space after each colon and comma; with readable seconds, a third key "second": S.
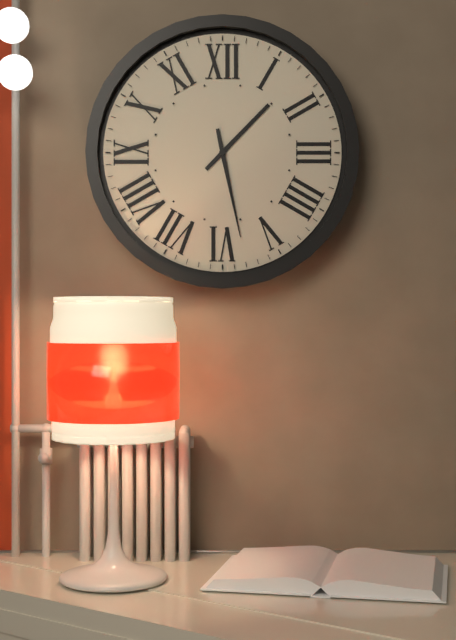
{"hour": 1, "minute": 28}
